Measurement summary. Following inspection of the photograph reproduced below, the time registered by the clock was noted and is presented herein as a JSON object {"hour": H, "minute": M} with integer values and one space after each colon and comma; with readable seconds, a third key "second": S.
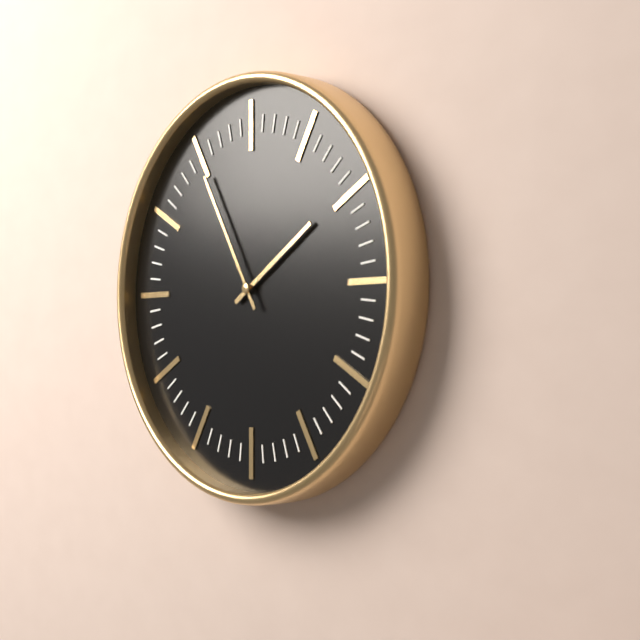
{"hour": 1, "minute": 55}
